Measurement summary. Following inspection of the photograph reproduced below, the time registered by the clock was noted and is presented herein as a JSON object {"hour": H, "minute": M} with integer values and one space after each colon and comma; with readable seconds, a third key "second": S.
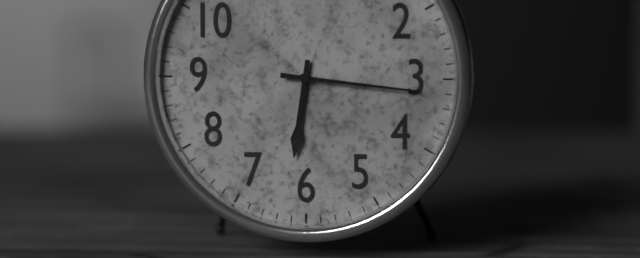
{"hour": 6, "minute": 16}
